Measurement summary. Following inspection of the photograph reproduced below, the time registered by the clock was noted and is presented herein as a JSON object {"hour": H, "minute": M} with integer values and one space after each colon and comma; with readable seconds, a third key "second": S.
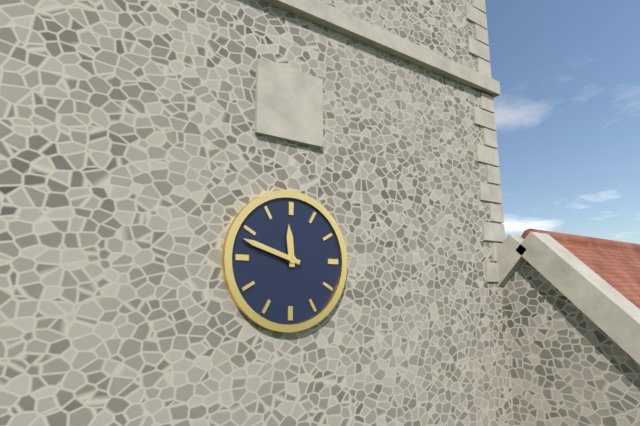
{"hour": 11, "minute": 48}
